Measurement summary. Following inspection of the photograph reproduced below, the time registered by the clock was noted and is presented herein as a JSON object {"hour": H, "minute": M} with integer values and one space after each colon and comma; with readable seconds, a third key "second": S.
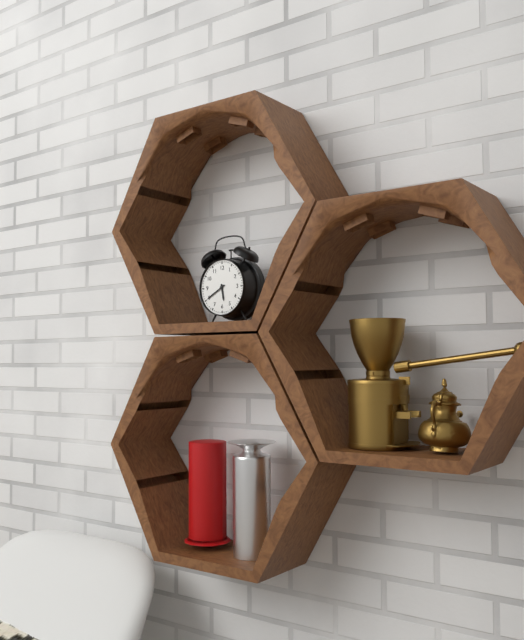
{"hour": 5, "minute": 40}
